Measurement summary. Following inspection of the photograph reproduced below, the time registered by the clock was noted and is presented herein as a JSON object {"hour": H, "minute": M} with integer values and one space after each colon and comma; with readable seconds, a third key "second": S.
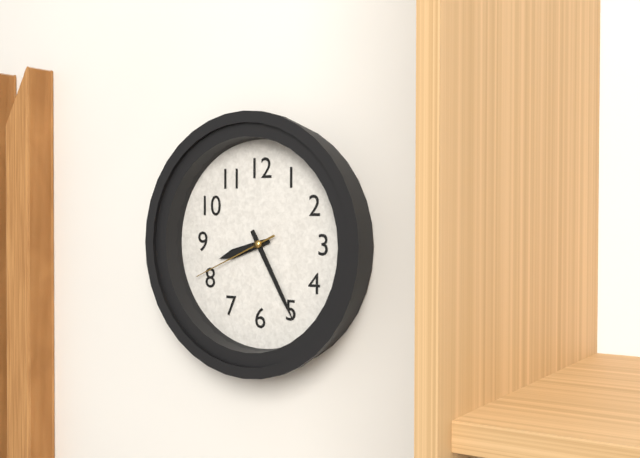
{"hour": 8, "minute": 25, "second": 41}
